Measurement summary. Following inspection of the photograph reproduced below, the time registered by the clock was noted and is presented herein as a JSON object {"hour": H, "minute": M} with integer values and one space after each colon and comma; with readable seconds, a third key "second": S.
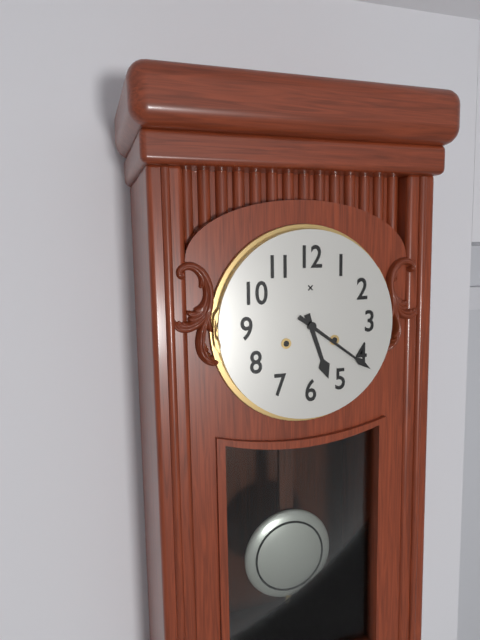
{"hour": 5, "minute": 21}
